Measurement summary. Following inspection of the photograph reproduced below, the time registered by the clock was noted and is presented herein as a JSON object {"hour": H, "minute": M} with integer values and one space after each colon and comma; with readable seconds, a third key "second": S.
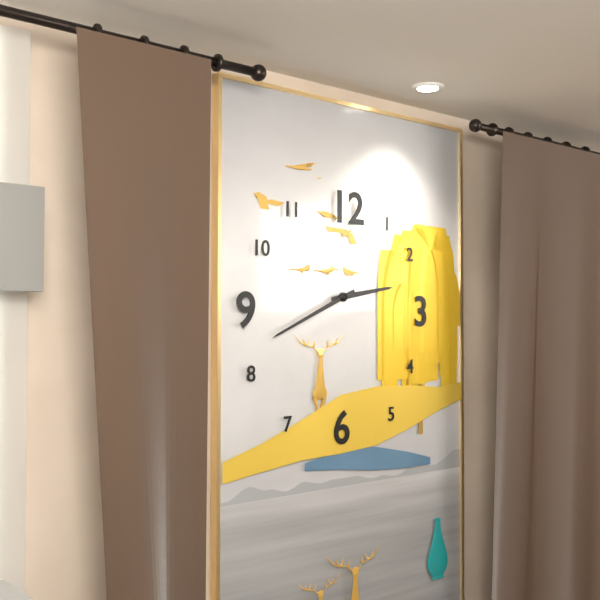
{"hour": 2, "minute": 41}
